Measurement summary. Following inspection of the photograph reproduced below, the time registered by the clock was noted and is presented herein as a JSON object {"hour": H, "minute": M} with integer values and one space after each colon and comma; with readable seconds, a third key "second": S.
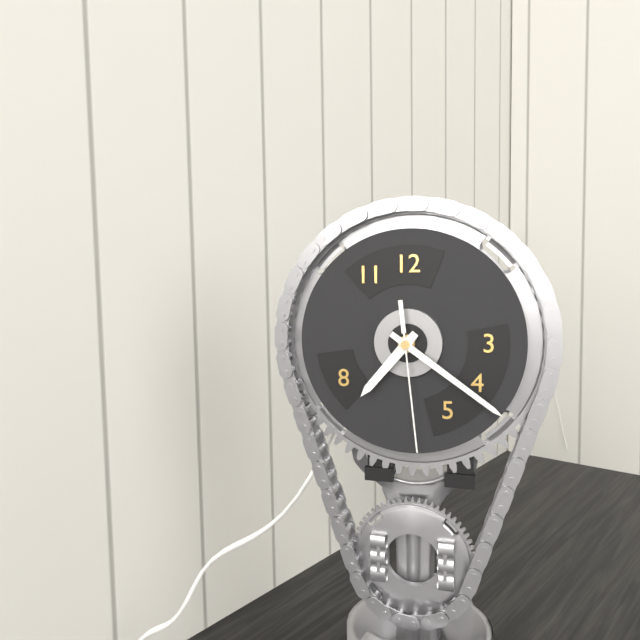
{"hour": 7, "minute": 21, "second": 29}
